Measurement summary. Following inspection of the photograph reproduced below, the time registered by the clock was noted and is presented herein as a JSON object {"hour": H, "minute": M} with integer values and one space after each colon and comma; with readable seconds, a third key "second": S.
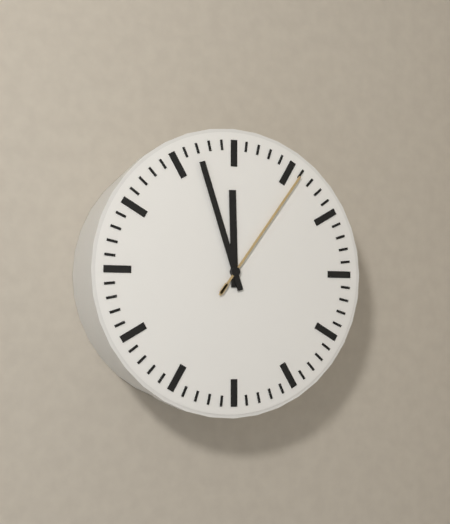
{"hour": 11, "minute": 57, "second": 6}
